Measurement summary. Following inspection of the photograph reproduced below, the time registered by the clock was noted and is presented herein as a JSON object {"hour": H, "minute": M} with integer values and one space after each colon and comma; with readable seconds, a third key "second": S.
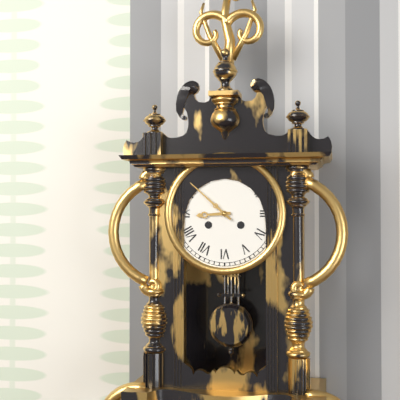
{"hour": 8, "minute": 52}
